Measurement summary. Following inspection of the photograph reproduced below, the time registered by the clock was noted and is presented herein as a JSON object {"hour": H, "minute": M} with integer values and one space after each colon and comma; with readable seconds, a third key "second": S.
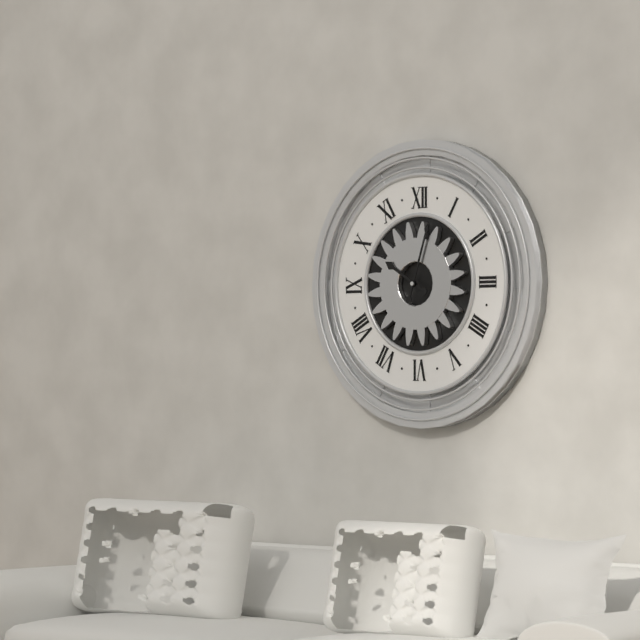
{"hour": 10, "minute": 3}
